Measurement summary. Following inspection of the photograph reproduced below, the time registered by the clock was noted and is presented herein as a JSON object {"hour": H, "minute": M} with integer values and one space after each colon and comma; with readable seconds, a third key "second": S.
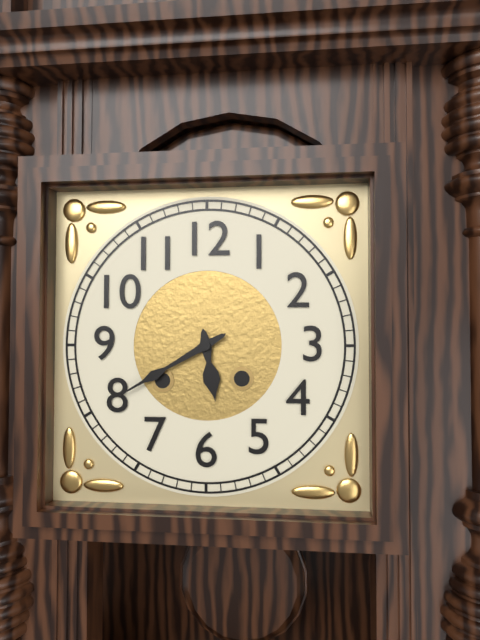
{"hour": 5, "minute": 40}
